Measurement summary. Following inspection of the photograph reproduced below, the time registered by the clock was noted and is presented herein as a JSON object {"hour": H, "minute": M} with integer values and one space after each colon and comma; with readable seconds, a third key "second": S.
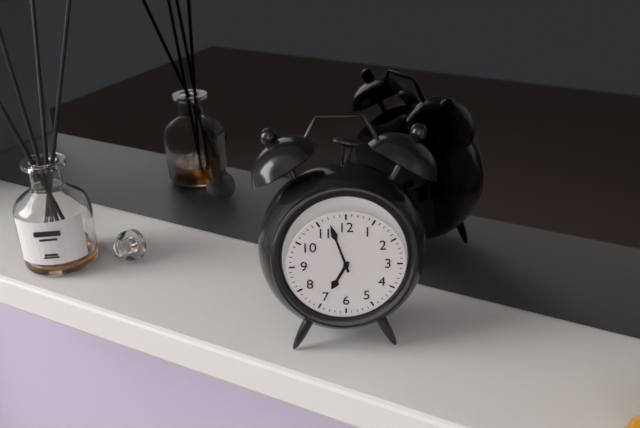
{"hour": 6, "minute": 57}
